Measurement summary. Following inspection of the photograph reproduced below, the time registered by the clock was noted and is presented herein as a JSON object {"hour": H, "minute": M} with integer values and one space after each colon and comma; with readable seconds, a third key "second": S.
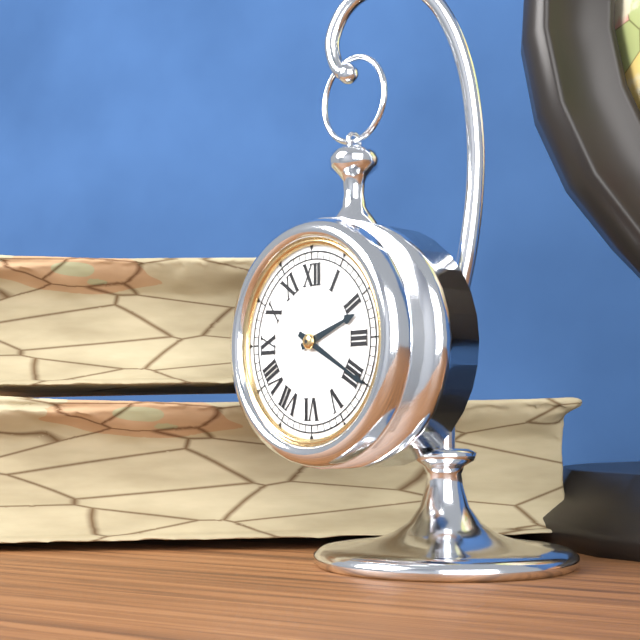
{"hour": 2, "minute": 20}
